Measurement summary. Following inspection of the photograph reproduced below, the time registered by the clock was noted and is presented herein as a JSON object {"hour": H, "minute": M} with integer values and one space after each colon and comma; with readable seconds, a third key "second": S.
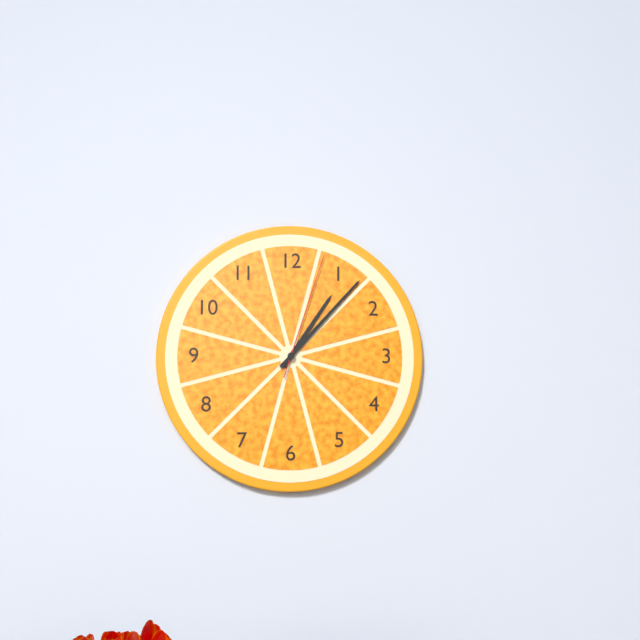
{"hour": 1, "minute": 7, "second": 3}
